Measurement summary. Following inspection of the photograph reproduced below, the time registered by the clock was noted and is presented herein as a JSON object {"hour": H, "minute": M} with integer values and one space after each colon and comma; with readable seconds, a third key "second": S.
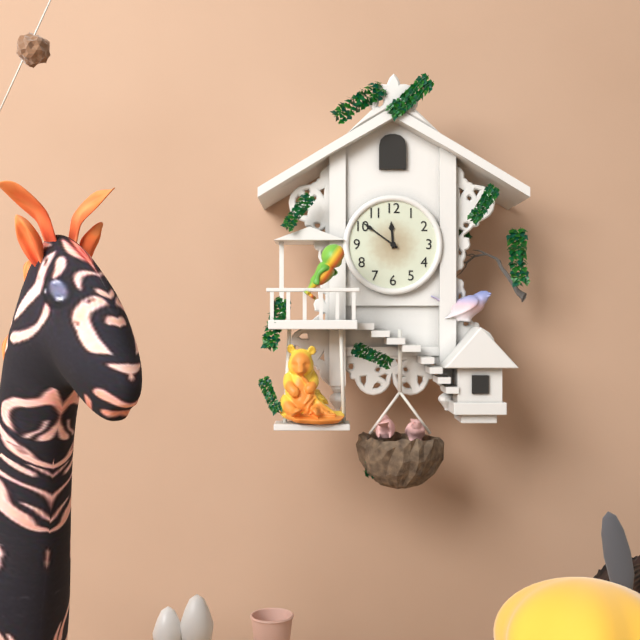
{"hour": 11, "minute": 51}
